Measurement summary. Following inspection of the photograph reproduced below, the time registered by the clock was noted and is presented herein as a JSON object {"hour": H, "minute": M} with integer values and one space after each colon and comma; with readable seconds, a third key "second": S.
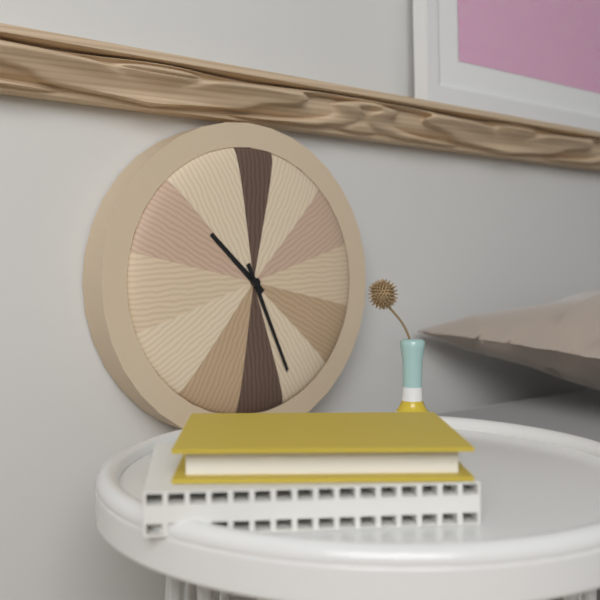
{"hour": 10, "minute": 26}
